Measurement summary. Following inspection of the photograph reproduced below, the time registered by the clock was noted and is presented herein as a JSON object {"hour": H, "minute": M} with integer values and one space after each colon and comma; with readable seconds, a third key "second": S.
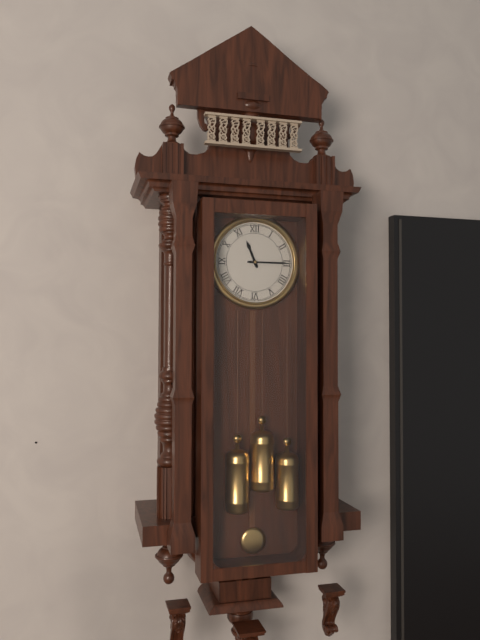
{"hour": 11, "minute": 15}
